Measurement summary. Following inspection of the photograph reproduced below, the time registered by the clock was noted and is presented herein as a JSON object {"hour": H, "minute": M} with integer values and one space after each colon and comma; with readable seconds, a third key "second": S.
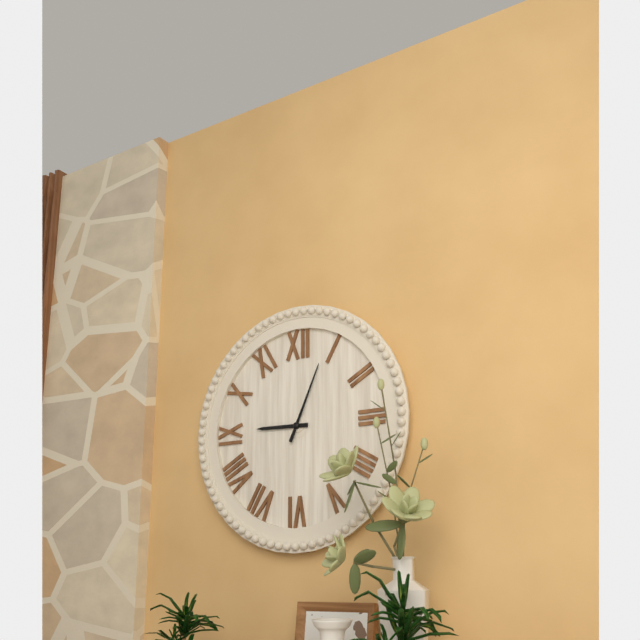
{"hour": 9, "minute": 4}
